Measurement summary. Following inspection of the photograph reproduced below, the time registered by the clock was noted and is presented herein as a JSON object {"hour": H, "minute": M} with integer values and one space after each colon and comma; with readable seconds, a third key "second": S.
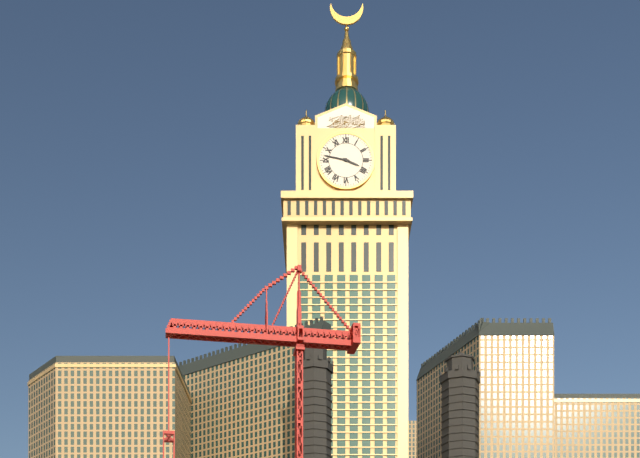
{"hour": 3, "minute": 47}
